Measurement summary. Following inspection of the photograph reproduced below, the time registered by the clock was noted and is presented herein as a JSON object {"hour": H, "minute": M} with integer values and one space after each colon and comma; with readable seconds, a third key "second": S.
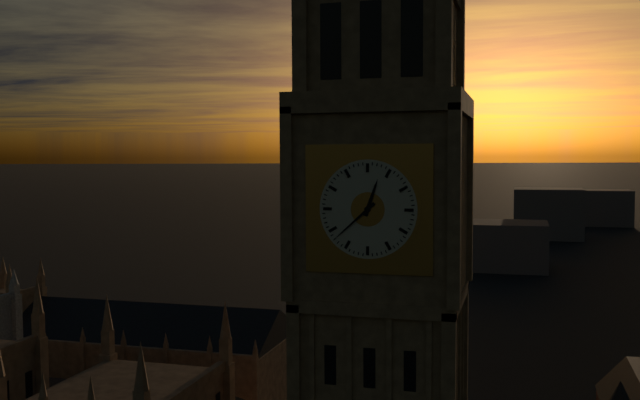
{"hour": 12, "minute": 38}
